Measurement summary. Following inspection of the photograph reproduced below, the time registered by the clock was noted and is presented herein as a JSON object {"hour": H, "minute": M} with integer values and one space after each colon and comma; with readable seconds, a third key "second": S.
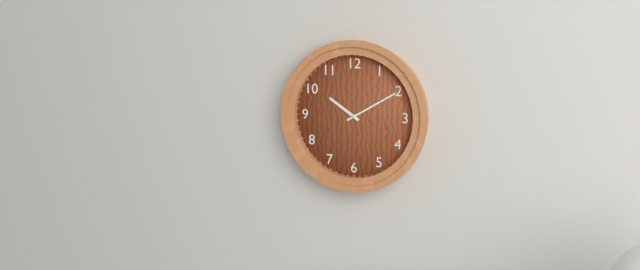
{"hour": 10, "minute": 10}
